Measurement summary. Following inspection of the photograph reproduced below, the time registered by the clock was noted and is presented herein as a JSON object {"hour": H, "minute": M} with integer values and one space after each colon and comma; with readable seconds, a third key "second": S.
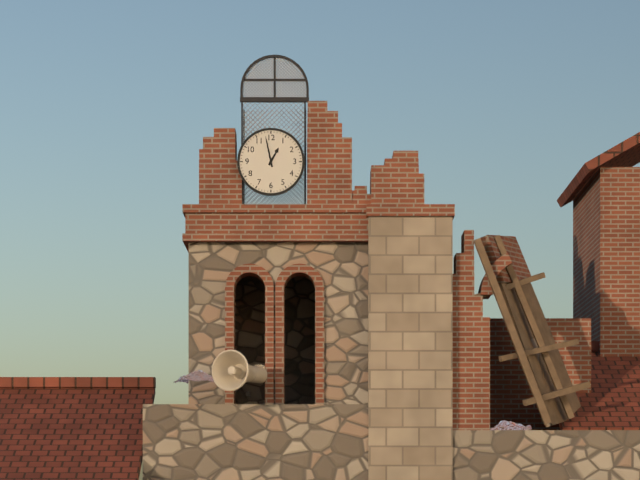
{"hour": 12, "minute": 58}
